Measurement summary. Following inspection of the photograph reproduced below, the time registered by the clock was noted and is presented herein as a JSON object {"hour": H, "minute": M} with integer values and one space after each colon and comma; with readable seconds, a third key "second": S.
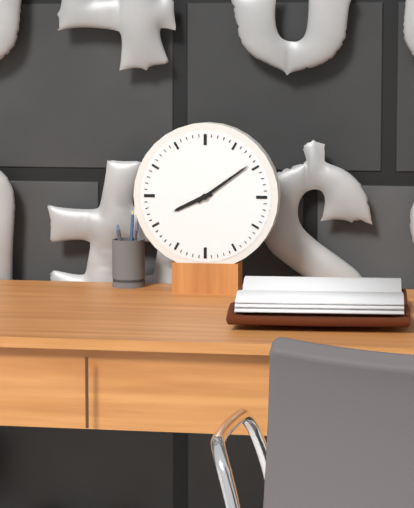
{"hour": 8, "minute": 9}
